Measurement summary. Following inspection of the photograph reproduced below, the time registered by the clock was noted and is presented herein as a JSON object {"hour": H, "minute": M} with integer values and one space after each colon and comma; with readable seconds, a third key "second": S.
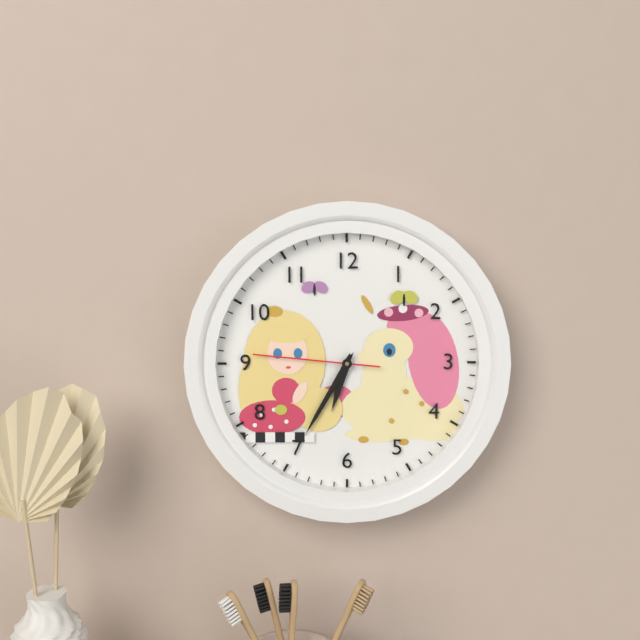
{"hour": 6, "minute": 35, "second": 46}
